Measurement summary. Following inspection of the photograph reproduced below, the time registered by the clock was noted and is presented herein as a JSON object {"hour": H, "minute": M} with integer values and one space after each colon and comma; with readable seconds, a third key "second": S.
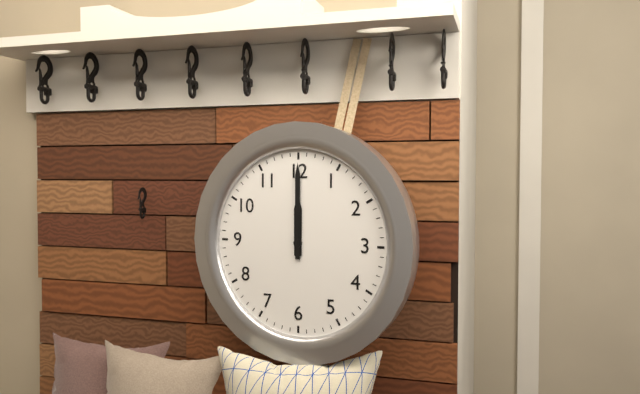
{"hour": 12, "minute": 0}
